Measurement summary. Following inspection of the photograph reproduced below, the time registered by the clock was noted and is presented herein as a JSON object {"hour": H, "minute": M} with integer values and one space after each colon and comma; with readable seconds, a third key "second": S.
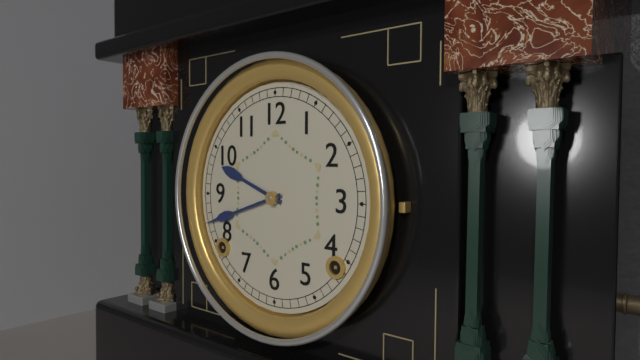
{"hour": 9, "minute": 42}
